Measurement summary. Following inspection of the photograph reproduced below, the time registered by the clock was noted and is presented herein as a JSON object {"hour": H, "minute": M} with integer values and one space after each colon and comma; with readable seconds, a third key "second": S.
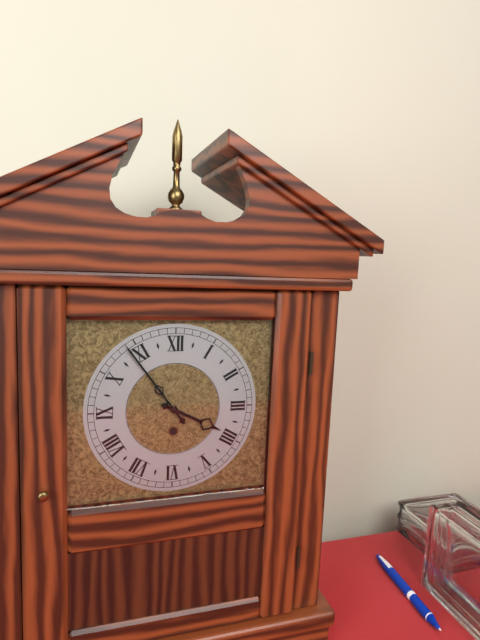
{"hour": 3, "minute": 54}
